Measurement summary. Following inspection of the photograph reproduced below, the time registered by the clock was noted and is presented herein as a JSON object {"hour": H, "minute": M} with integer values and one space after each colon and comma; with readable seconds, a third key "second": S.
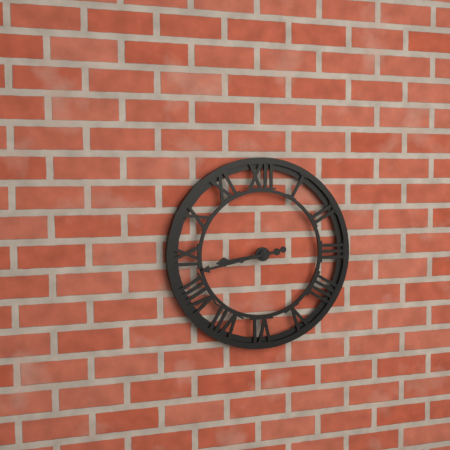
{"hour": 8, "minute": 43}
